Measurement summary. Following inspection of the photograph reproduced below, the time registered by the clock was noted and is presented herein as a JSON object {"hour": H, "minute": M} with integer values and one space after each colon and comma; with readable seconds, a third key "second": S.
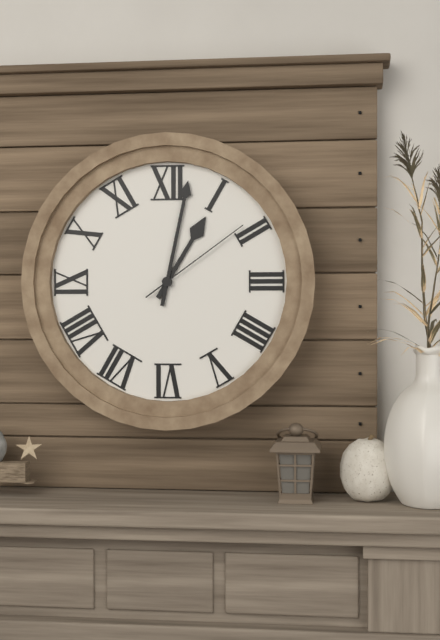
{"hour": 1, "minute": 2, "second": 9}
